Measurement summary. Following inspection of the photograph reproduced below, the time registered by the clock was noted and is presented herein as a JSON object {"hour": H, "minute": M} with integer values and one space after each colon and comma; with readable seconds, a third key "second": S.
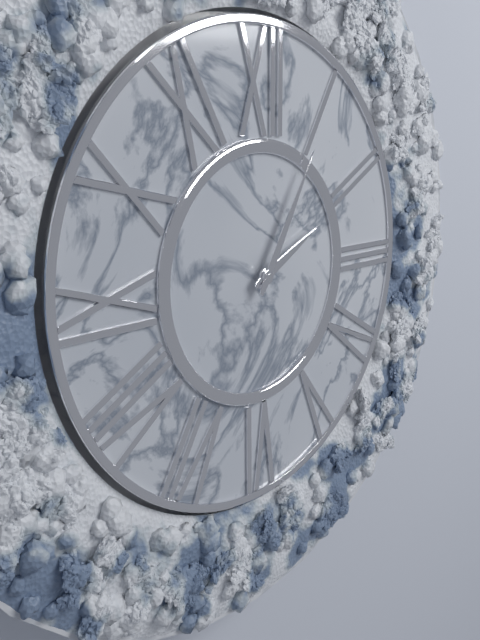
{"hour": 2, "minute": 5}
